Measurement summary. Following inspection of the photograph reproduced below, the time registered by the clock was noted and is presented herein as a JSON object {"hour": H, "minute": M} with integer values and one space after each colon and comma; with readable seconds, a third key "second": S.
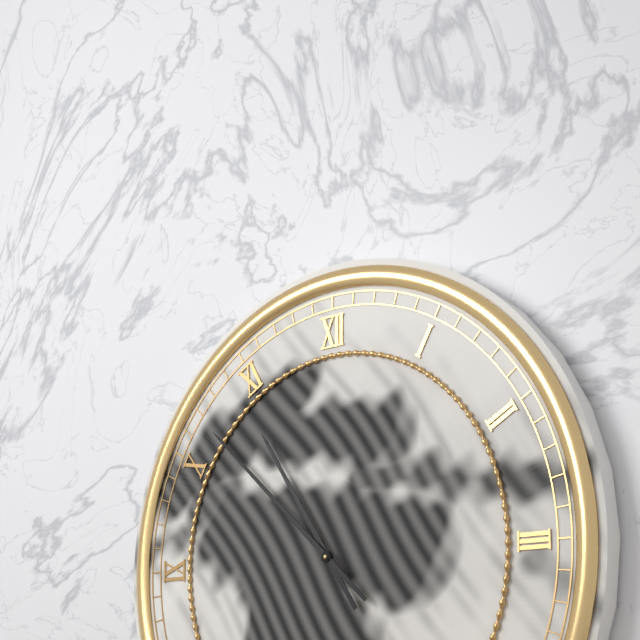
{"hour": 10, "minute": 52}
